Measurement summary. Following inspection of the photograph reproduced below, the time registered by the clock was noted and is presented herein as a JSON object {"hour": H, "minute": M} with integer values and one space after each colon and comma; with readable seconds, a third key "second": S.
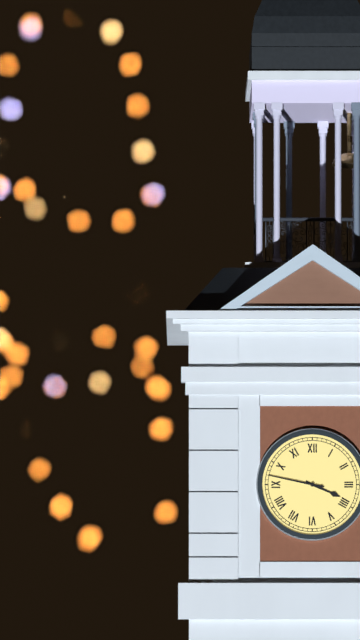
{"hour": 3, "minute": 47}
